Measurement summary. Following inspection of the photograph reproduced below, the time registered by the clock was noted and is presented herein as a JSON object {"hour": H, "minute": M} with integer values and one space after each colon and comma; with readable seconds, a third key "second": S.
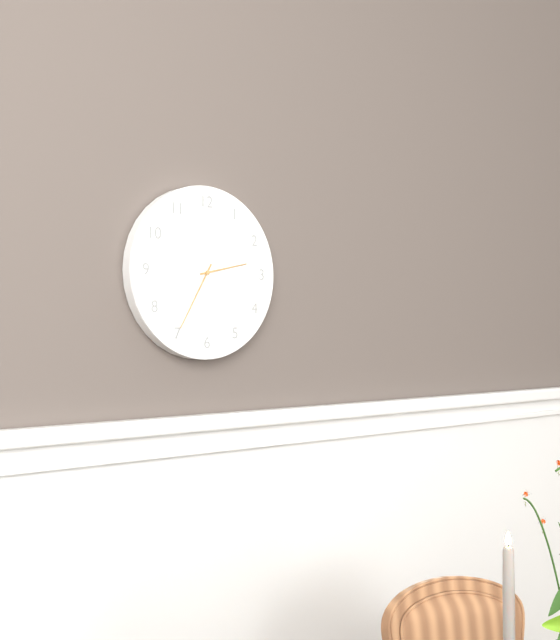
{"hour": 2, "minute": 35}
